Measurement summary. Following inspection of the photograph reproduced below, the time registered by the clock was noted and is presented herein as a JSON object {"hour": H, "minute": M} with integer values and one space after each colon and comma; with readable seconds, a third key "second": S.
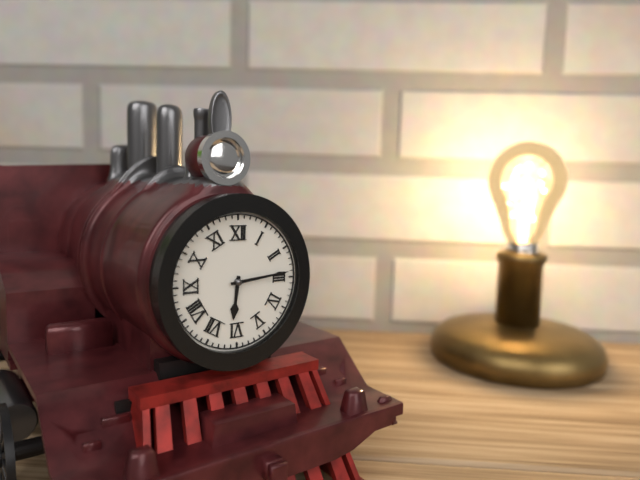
{"hour": 6, "minute": 14}
